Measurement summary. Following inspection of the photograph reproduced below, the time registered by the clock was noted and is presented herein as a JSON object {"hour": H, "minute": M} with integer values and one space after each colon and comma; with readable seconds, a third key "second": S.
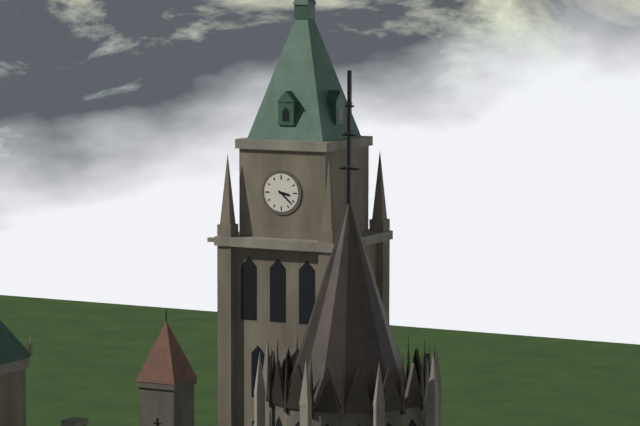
{"hour": 3, "minute": 22}
